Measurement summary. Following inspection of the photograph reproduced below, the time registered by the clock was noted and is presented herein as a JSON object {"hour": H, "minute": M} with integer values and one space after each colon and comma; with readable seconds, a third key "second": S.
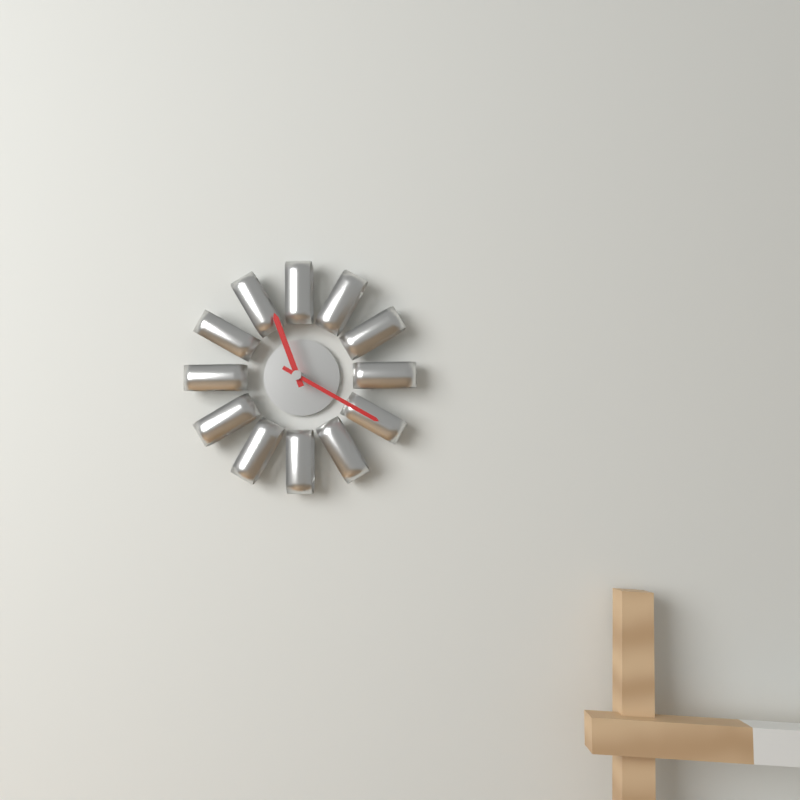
{"hour": 11, "minute": 20}
